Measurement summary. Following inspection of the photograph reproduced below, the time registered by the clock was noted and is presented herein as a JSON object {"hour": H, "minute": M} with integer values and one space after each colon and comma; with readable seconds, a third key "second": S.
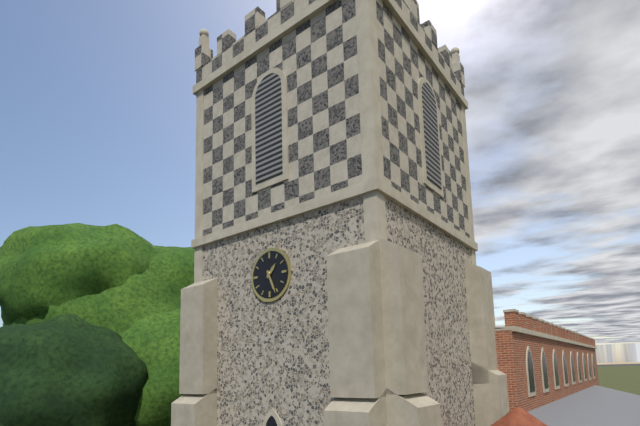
{"hour": 1, "minute": 26}
